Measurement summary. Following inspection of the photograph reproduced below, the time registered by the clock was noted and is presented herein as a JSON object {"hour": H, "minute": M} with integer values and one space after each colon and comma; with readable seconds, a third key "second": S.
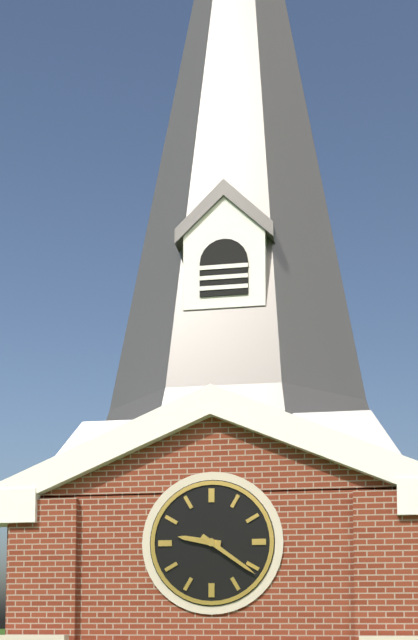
{"hour": 9, "minute": 21}
